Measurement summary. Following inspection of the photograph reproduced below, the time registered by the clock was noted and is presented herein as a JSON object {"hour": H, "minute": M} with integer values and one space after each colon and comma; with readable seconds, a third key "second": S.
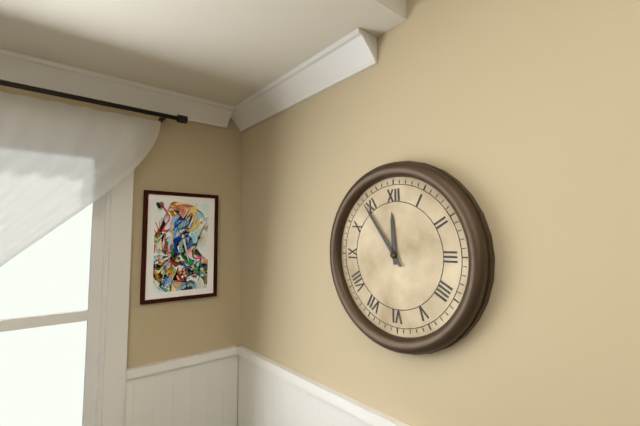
{"hour": 11, "minute": 54}
